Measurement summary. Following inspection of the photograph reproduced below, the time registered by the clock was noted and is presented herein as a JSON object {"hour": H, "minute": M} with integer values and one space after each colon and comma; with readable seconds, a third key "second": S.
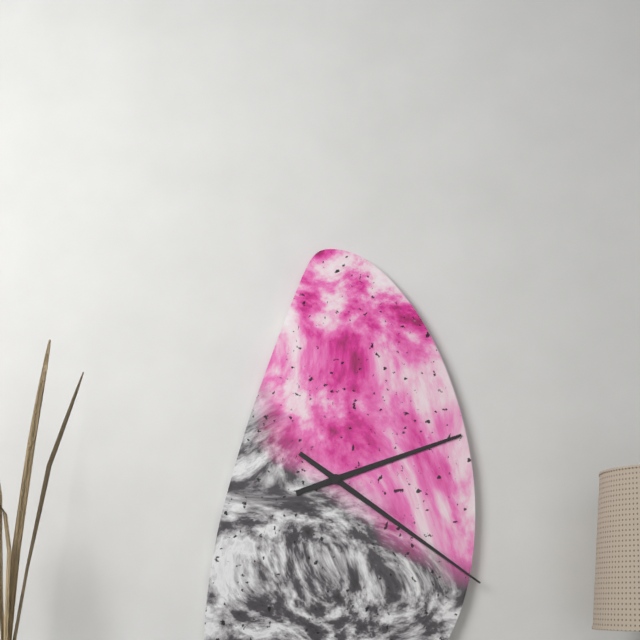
{"hour": 2, "minute": 21}
